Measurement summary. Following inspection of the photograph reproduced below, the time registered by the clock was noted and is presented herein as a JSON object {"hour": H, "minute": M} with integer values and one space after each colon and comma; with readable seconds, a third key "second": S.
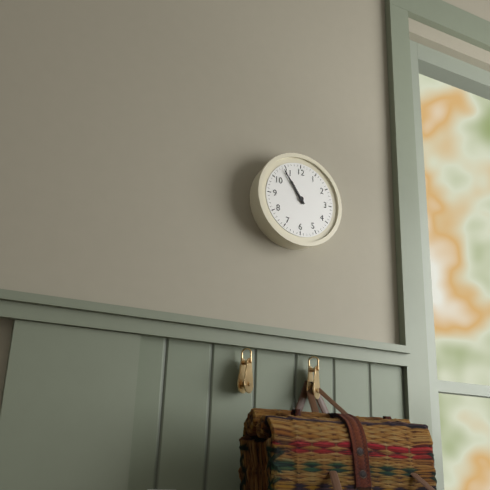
{"hour": 10, "minute": 54}
